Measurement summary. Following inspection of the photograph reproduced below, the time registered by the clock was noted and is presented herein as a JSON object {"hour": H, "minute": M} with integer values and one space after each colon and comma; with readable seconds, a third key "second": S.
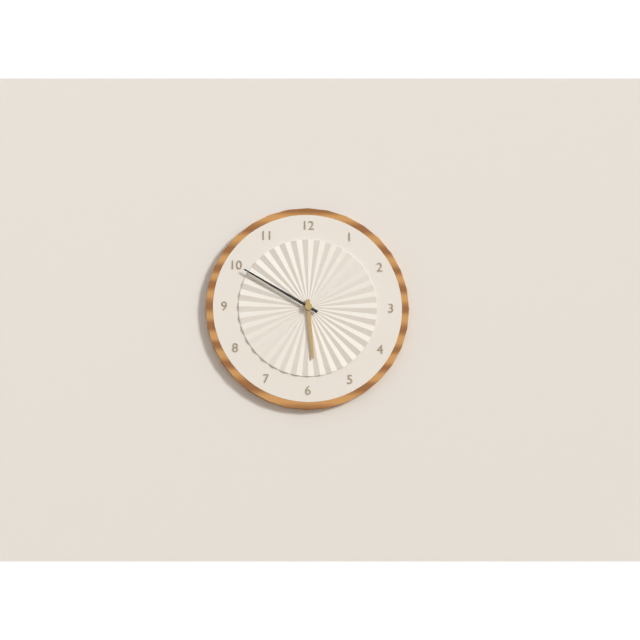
{"hour": 5, "minute": 50}
